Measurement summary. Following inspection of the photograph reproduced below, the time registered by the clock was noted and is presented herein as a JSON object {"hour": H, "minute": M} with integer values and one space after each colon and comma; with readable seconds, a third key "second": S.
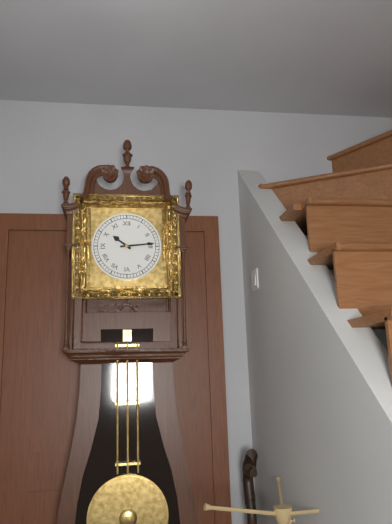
{"hour": 10, "minute": 14}
